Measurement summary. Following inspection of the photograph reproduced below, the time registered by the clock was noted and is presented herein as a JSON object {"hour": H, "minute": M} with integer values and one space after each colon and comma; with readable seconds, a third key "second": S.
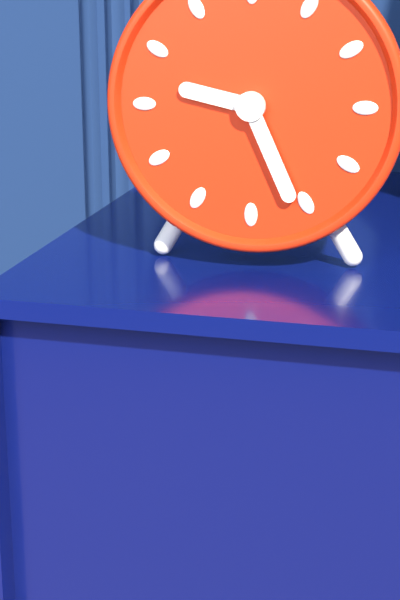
{"hour": 9, "minute": 26}
